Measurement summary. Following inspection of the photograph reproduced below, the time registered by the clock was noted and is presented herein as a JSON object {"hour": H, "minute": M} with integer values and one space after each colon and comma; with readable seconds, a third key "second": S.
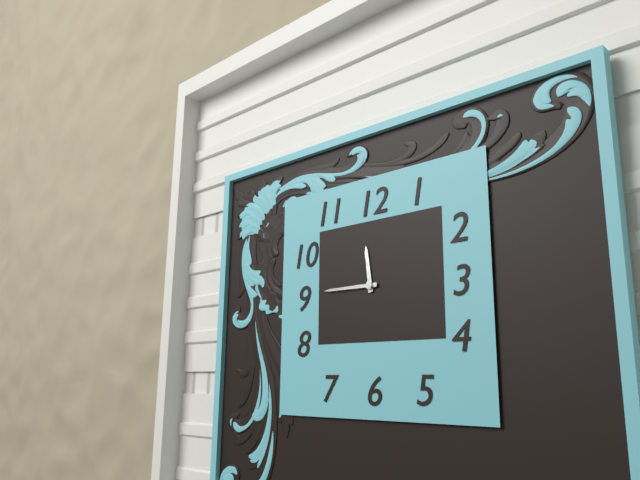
{"hour": 11, "minute": 45}
